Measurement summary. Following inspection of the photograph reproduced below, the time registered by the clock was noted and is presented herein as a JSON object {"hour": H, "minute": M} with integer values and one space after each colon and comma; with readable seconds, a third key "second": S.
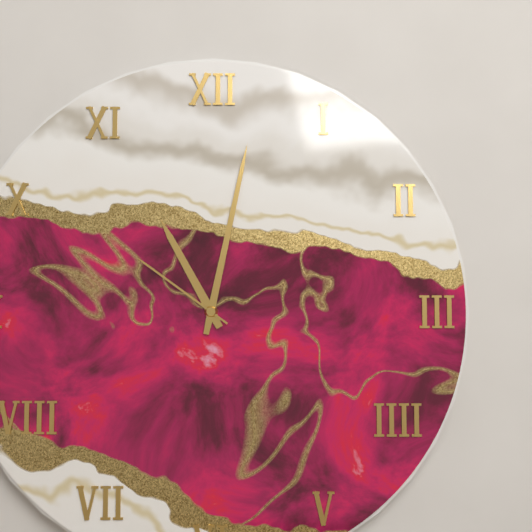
{"hour": 11, "minute": 2, "second": 51}
